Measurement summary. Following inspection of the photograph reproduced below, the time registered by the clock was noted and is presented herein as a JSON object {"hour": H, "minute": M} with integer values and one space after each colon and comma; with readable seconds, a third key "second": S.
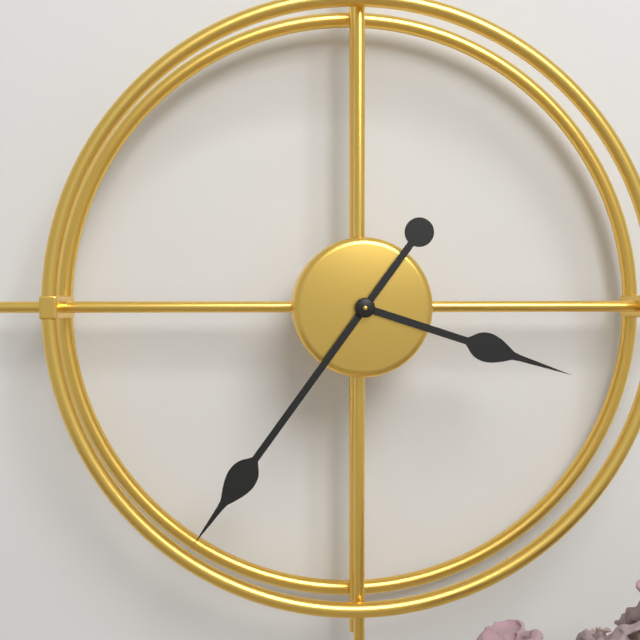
{"hour": 3, "minute": 36}
